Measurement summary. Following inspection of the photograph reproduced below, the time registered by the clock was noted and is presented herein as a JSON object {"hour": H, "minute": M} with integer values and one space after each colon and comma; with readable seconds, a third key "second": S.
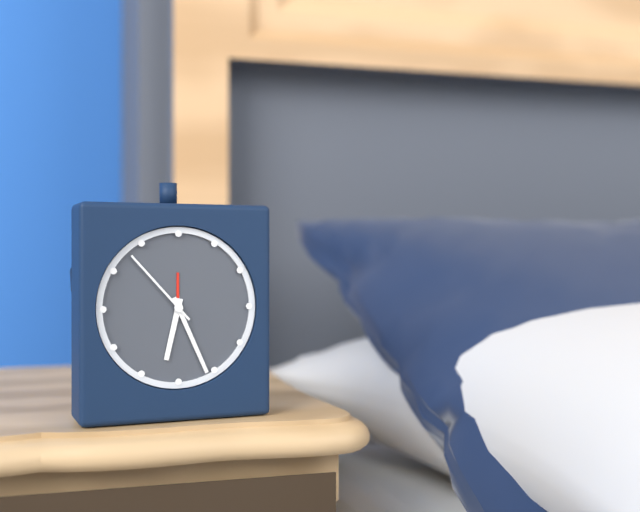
{"hour": 6, "minute": 26, "second": 53}
